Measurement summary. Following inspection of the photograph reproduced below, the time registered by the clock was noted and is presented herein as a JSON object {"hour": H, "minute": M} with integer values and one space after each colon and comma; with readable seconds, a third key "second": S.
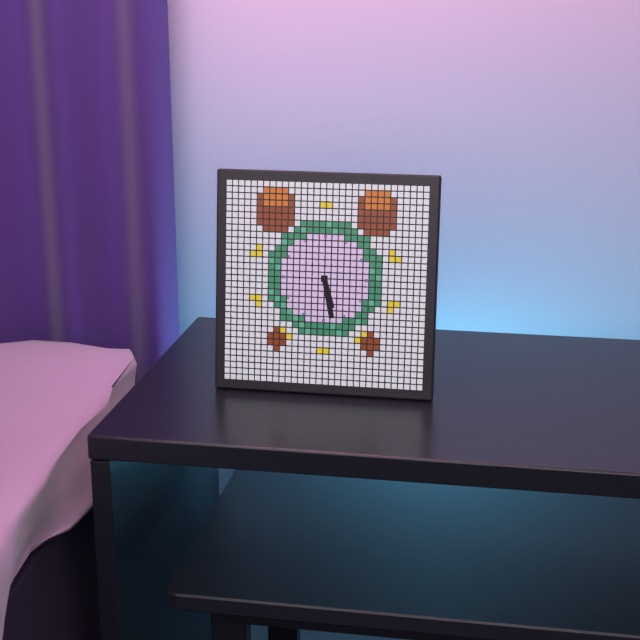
{"hour": 5, "minute": 28}
